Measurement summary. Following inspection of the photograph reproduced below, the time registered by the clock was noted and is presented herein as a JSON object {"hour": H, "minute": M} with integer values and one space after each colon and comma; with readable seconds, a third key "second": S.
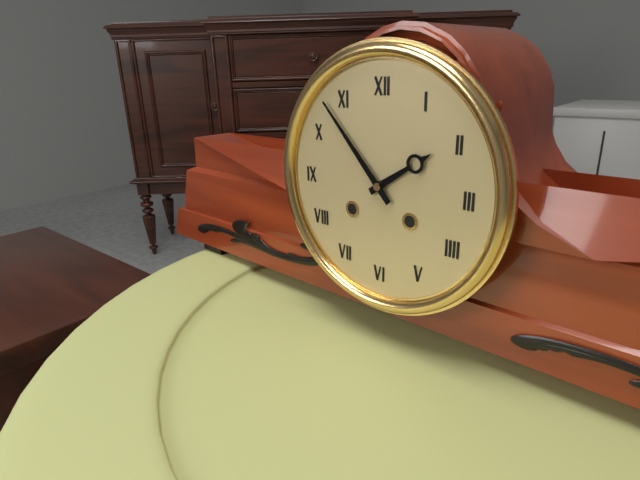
{"hour": 1, "minute": 53}
